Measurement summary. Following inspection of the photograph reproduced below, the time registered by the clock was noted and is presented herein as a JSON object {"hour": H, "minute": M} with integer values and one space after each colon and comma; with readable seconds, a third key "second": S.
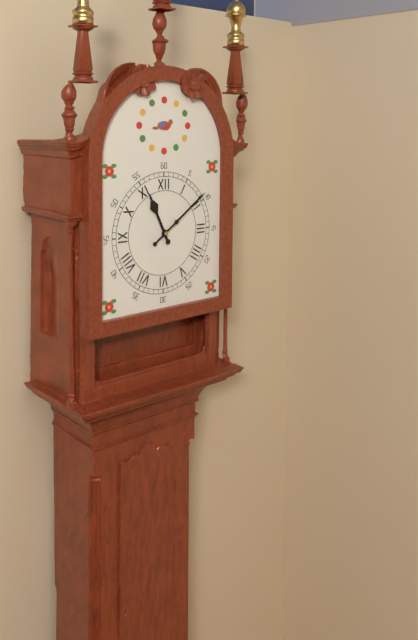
{"hour": 11, "minute": 9}
